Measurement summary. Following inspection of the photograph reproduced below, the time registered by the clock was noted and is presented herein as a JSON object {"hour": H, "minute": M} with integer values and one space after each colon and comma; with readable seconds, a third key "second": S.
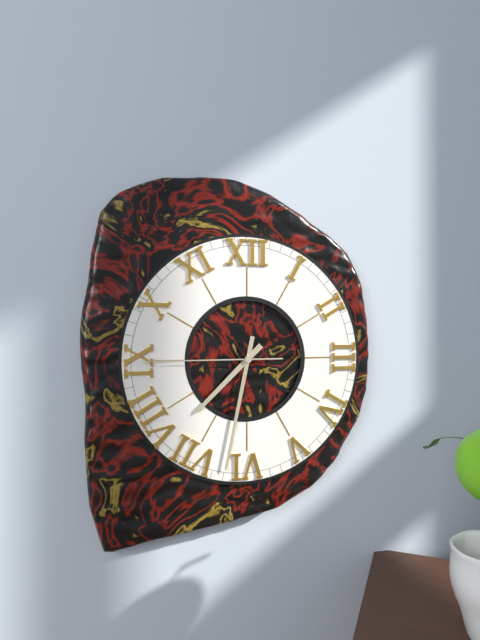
{"hour": 7, "minute": 32, "second": 45}
